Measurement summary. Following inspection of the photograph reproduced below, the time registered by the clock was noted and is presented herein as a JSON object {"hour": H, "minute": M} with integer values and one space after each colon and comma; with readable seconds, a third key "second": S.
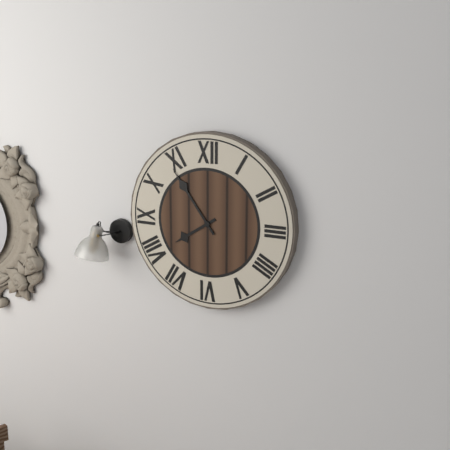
{"hour": 7, "minute": 54}
